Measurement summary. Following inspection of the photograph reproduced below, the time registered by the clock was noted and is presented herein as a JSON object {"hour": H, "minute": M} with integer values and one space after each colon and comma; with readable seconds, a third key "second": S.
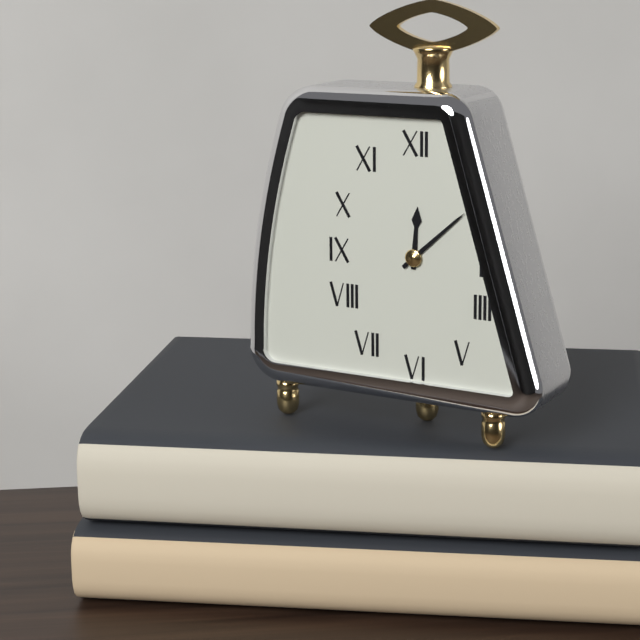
{"hour": 12, "minute": 8}
